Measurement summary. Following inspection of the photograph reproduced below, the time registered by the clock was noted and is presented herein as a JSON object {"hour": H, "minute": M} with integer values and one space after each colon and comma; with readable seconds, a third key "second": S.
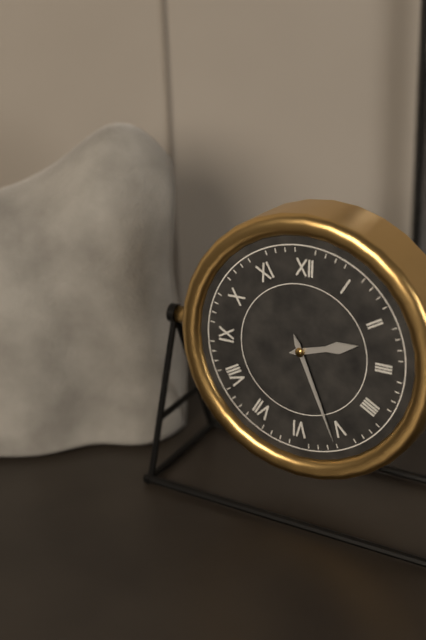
{"hour": 2, "minute": 26}
